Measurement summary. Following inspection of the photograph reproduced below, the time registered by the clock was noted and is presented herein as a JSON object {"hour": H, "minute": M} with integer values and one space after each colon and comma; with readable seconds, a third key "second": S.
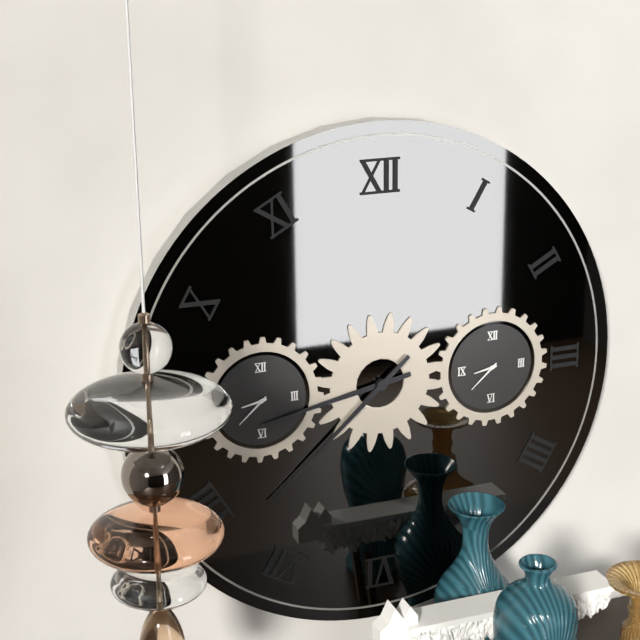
{"hour": 8, "minute": 38}
